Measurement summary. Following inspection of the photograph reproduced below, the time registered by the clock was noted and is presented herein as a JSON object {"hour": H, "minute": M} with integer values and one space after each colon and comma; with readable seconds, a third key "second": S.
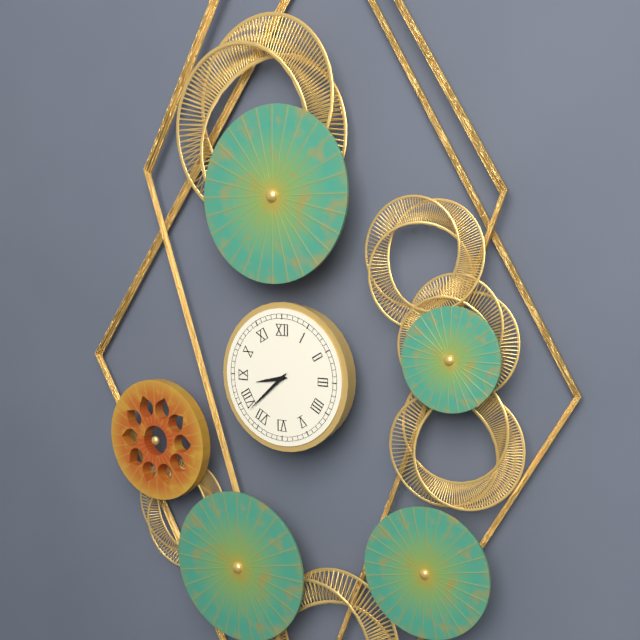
{"hour": 8, "minute": 38}
